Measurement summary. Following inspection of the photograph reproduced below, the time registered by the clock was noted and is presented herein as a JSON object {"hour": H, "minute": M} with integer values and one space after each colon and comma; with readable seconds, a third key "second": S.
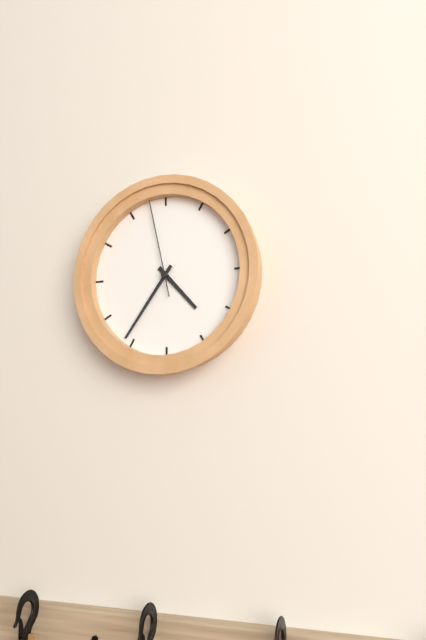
{"hour": 4, "minute": 36, "second": 58}
